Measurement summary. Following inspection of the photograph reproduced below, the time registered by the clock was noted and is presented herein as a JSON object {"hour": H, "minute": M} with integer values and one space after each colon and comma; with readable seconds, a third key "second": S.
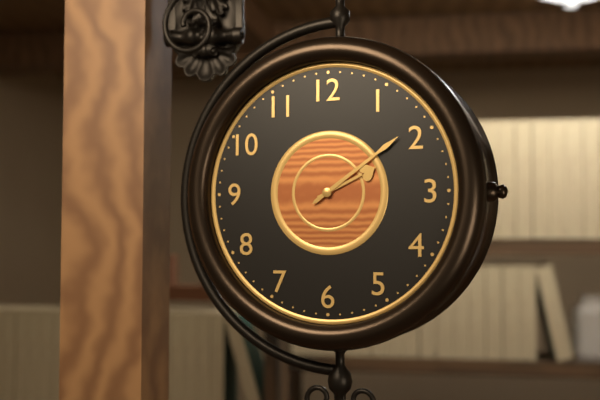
{"hour": 2, "minute": 9}
